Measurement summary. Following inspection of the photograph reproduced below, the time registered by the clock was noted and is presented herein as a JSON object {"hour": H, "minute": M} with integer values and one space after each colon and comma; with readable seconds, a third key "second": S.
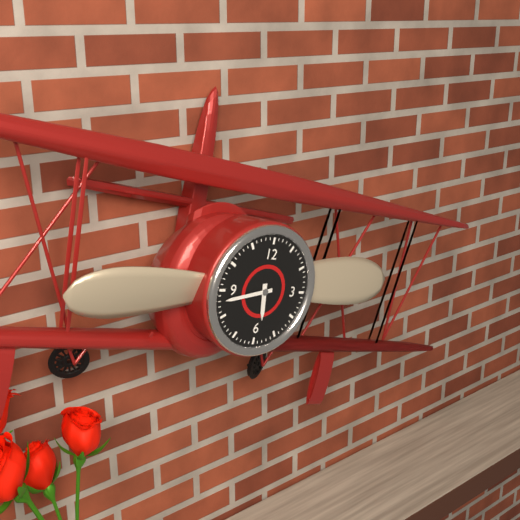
{"hour": 5, "minute": 43}
